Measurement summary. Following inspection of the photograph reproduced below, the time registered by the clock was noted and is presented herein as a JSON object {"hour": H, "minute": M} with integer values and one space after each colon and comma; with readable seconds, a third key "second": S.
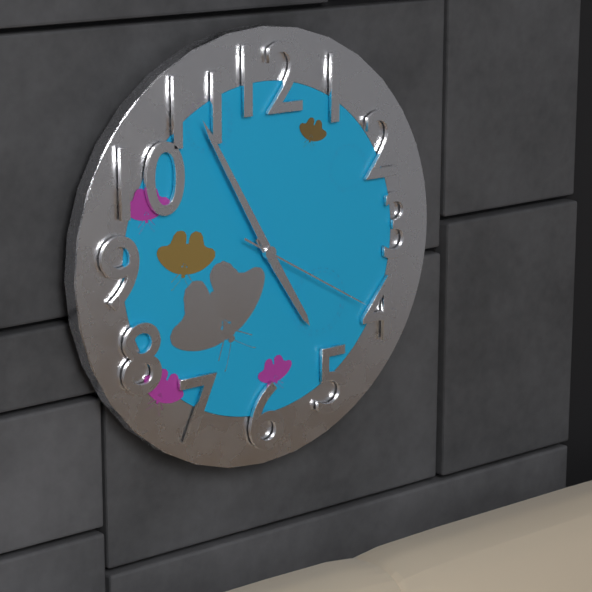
{"hour": 4, "minute": 55, "second": 20}
